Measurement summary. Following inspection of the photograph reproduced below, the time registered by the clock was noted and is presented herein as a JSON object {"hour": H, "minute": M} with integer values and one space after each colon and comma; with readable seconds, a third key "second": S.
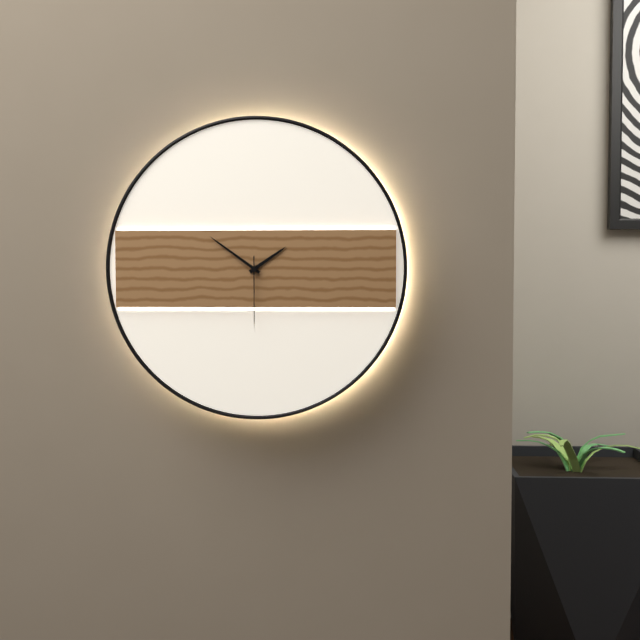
{"hour": 1, "minute": 51, "second": 30}
